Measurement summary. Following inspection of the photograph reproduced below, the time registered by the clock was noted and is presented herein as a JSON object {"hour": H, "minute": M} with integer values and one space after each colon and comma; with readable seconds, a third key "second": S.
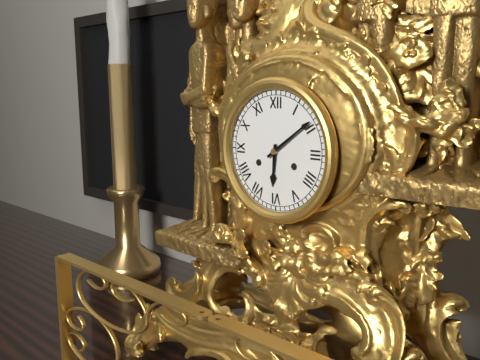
{"hour": 6, "minute": 9}
